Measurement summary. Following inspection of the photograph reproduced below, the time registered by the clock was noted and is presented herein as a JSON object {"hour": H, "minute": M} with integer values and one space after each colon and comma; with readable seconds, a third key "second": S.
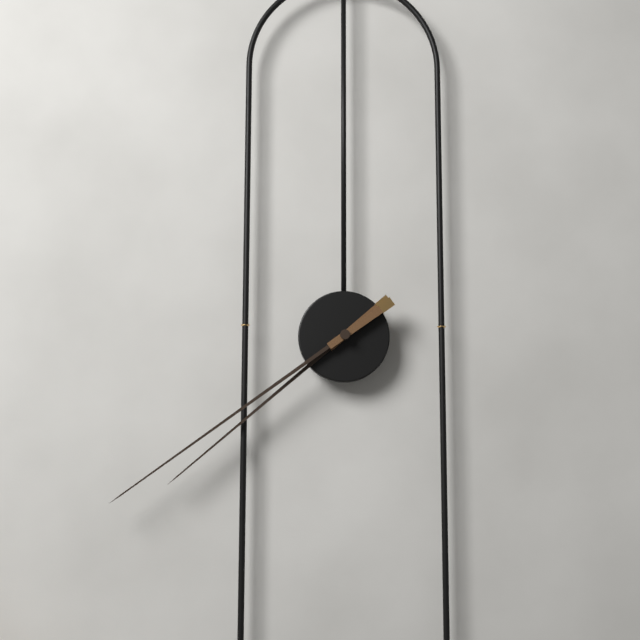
{"hour": 7, "minute": 39}
